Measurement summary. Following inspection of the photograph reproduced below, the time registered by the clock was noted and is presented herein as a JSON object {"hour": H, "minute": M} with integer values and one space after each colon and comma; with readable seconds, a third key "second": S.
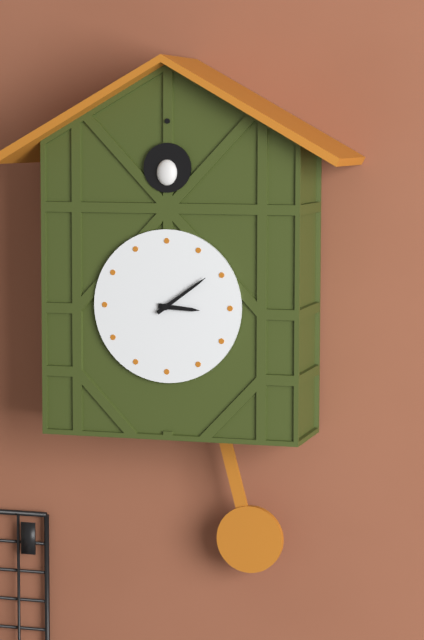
{"hour": 3, "minute": 9}
